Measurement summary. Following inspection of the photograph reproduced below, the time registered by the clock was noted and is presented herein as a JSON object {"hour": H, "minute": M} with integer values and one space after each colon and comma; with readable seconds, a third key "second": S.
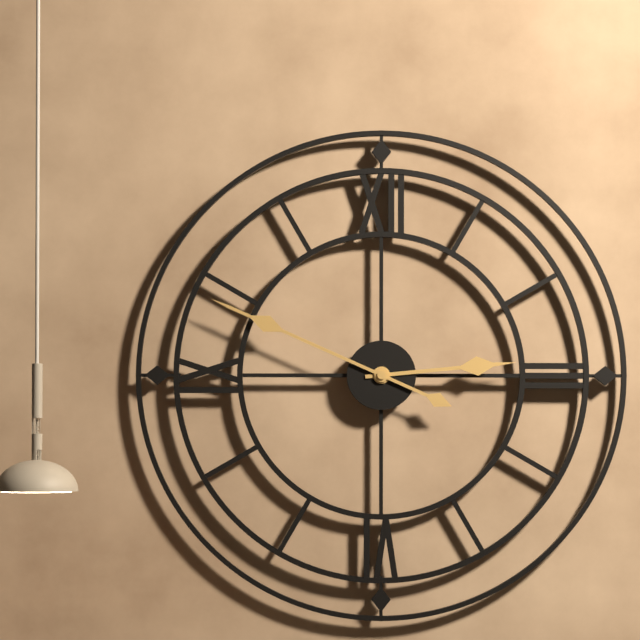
{"hour": 2, "minute": 49}
